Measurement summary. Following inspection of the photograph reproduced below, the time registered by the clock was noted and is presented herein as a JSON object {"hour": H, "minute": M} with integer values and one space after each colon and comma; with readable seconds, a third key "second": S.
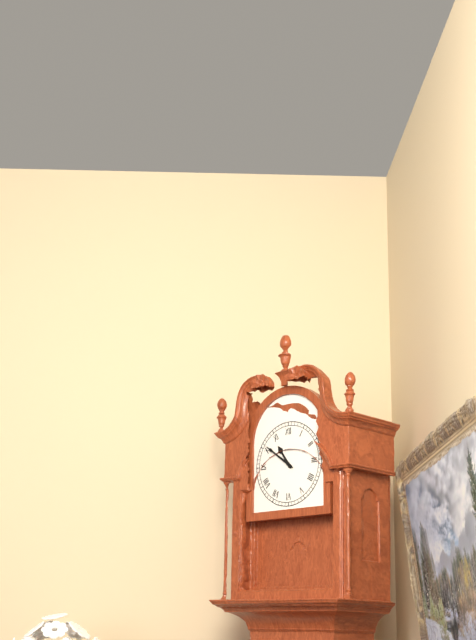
{"hour": 10, "minute": 51}
